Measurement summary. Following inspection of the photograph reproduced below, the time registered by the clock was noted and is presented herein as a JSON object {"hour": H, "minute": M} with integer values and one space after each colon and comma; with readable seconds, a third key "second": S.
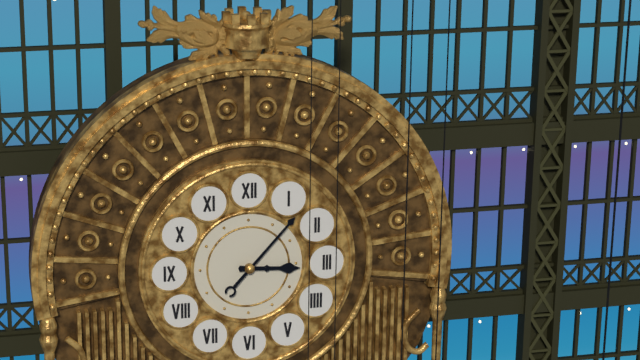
{"hour": 3, "minute": 7}
